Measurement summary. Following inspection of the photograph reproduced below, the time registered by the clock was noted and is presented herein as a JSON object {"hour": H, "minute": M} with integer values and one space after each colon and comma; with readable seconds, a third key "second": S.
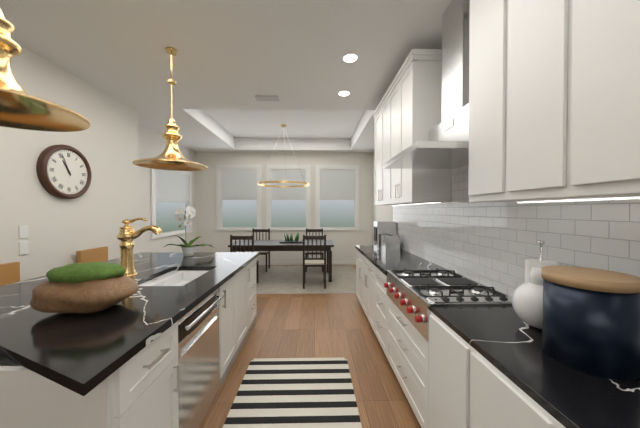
{"hour": 10, "minute": 56}
